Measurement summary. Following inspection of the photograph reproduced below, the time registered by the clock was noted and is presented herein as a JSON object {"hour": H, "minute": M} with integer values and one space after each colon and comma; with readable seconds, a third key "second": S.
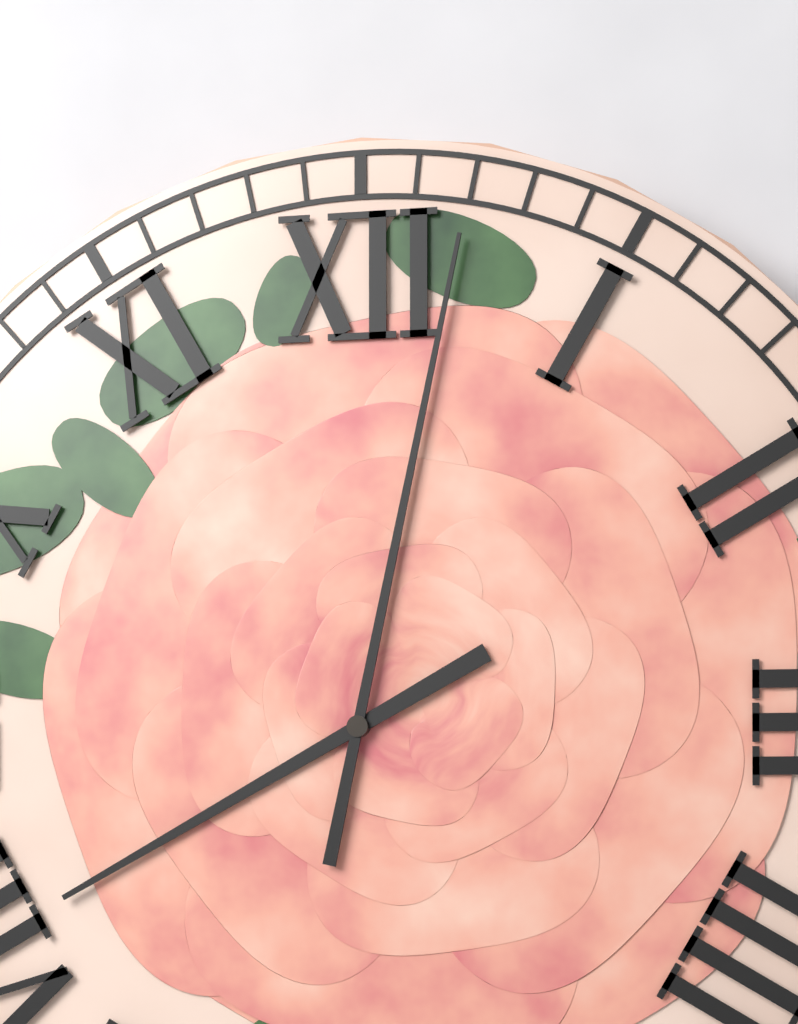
{"hour": 8, "minute": 2}
